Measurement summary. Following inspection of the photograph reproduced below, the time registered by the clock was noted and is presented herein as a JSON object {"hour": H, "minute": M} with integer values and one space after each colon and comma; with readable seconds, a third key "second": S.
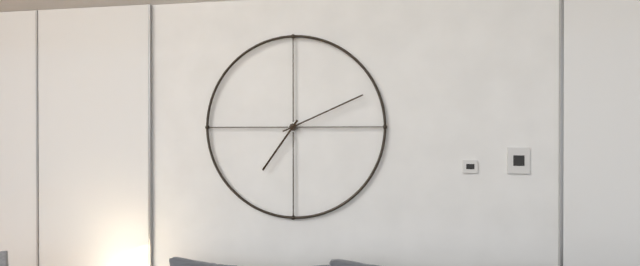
{"hour": 7, "minute": 11}
